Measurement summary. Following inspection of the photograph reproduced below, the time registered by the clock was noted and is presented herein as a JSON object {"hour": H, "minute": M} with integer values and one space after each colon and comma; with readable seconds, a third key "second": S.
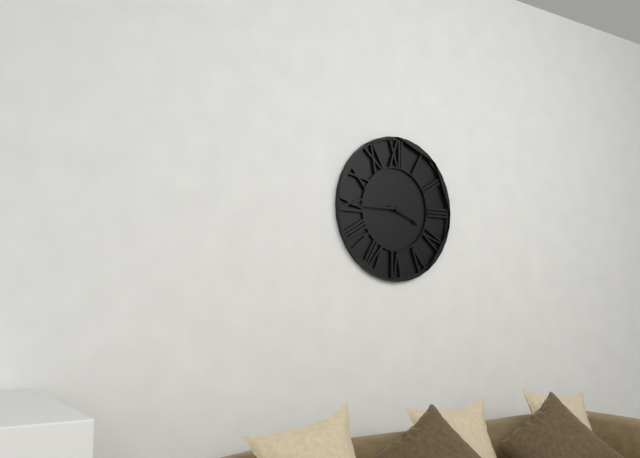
{"hour": 3, "minute": 45}
